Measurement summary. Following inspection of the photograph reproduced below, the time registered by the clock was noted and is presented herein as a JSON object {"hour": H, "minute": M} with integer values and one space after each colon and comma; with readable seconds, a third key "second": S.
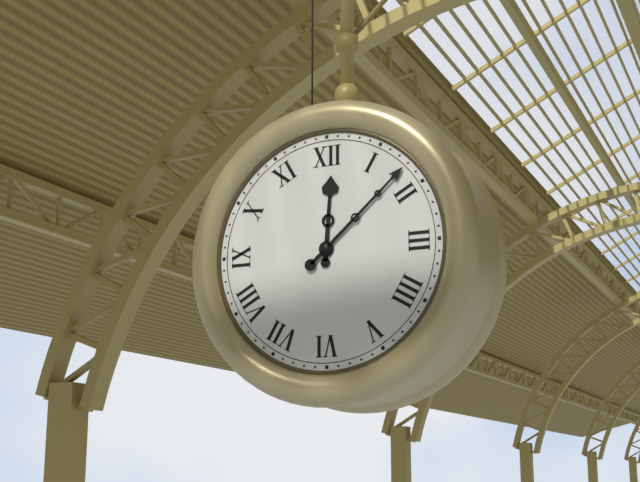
{"hour": 12, "minute": 8}
